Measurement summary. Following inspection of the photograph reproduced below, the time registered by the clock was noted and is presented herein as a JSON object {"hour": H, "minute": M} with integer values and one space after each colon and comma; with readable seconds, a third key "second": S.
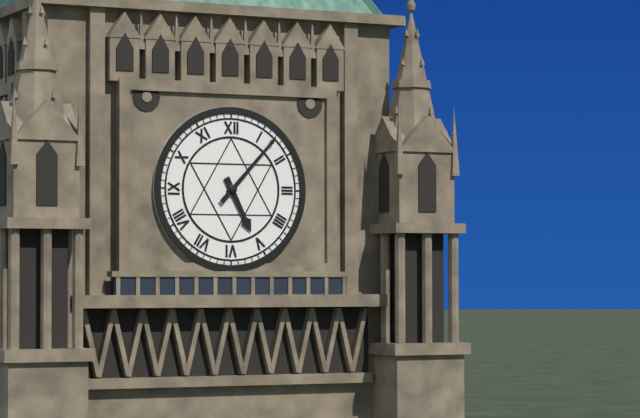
{"hour": 5, "minute": 7}
